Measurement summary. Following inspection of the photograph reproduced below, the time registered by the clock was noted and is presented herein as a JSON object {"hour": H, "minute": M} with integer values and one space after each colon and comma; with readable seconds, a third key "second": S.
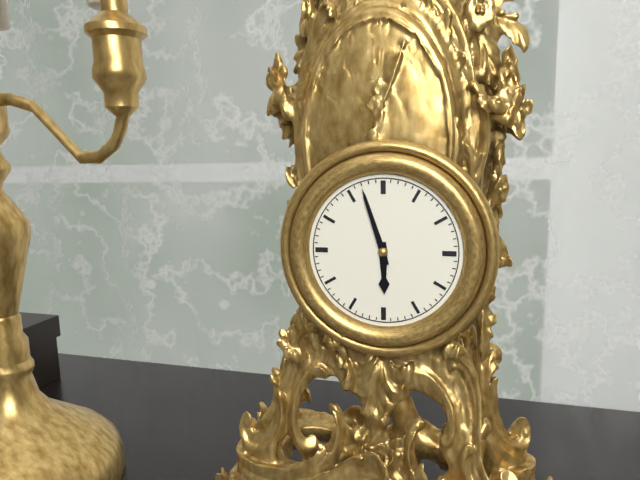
{"hour": 5, "minute": 57}
